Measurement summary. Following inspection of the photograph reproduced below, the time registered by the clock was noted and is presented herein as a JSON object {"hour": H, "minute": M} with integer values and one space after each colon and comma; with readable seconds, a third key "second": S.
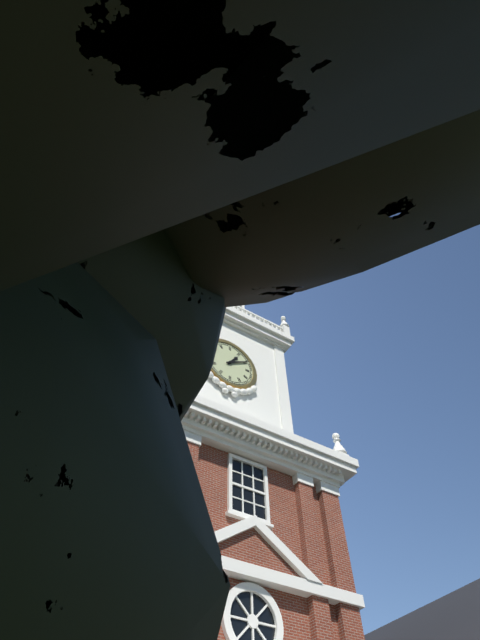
{"hour": 1, "minute": 10}
